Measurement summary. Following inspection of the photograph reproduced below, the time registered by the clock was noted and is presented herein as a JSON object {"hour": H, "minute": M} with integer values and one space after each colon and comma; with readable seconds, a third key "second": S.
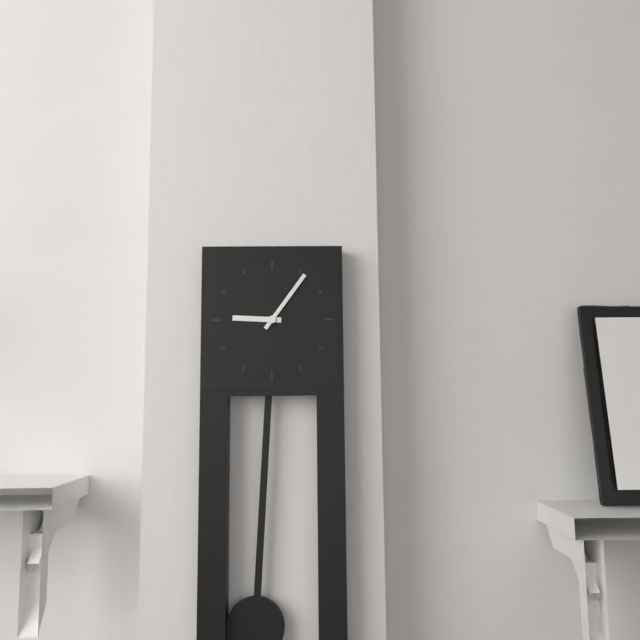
{"hour": 9, "minute": 6}
